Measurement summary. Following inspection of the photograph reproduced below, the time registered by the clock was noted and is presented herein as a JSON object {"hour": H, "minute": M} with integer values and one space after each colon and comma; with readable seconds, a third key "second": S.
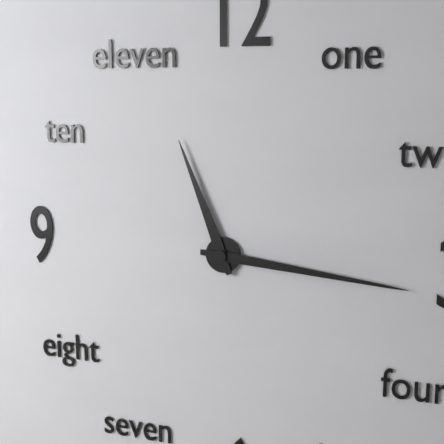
{"hour": 11, "minute": 16}
